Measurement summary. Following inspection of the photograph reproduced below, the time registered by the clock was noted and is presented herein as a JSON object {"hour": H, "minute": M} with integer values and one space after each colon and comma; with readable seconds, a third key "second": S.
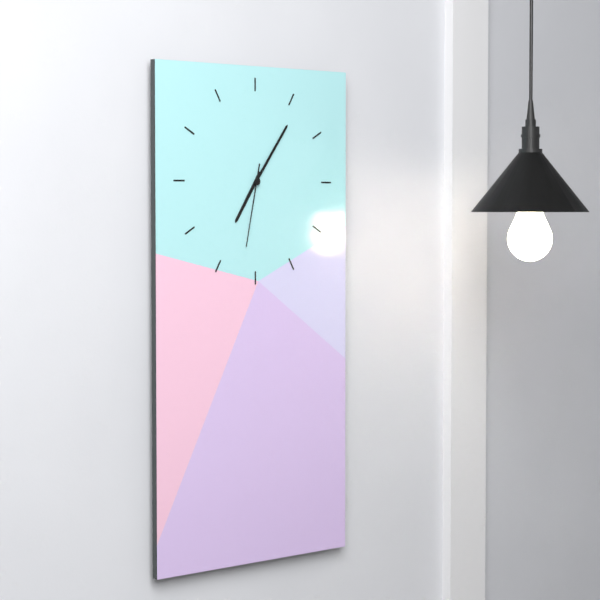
{"hour": 7, "minute": 6, "second": 32}
